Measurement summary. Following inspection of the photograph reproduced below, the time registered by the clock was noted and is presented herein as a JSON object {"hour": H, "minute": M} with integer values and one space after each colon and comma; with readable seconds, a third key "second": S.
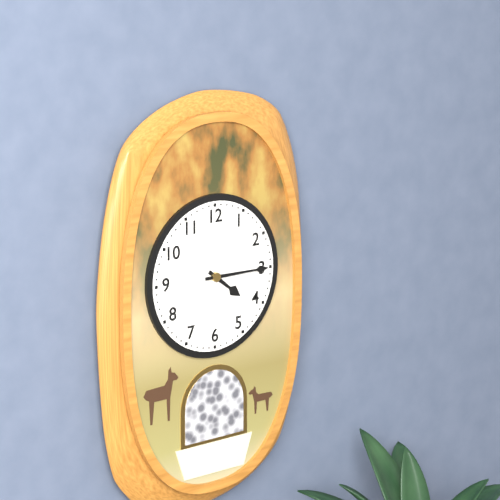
{"hour": 4, "minute": 15}
